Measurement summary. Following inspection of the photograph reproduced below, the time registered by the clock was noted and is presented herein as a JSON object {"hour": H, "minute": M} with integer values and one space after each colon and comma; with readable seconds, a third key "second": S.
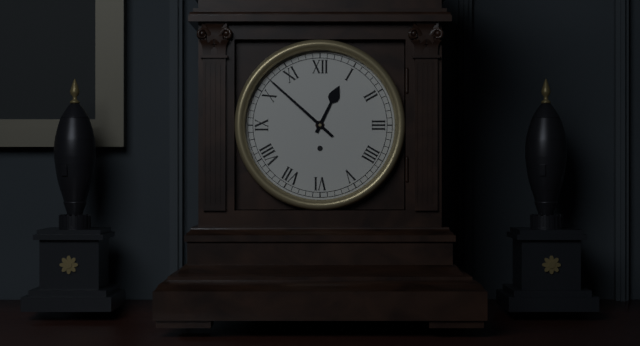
{"hour": 12, "minute": 52}
